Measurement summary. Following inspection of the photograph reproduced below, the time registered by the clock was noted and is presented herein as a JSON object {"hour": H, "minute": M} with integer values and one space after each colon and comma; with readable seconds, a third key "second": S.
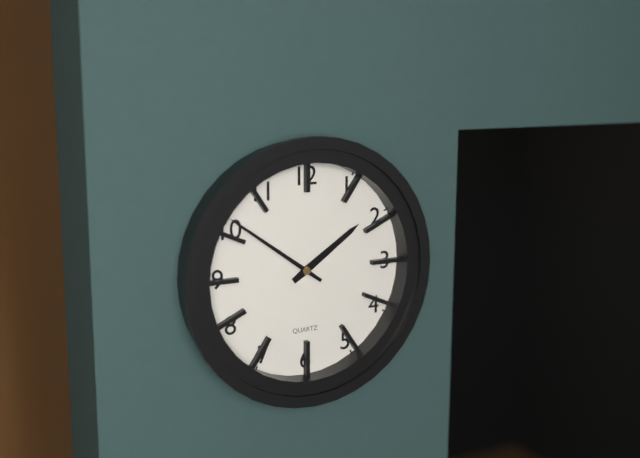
{"hour": 1, "minute": 51}
